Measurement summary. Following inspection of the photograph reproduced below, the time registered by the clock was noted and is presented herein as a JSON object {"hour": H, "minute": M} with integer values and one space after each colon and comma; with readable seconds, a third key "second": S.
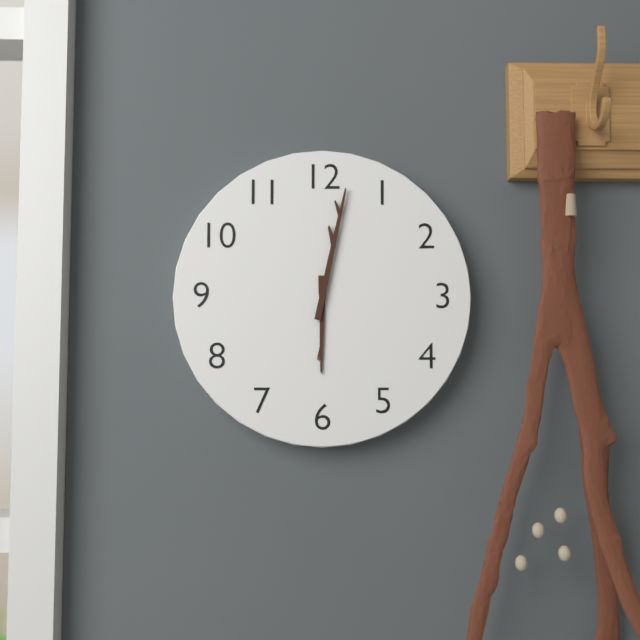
{"hour": 6, "minute": 2}
